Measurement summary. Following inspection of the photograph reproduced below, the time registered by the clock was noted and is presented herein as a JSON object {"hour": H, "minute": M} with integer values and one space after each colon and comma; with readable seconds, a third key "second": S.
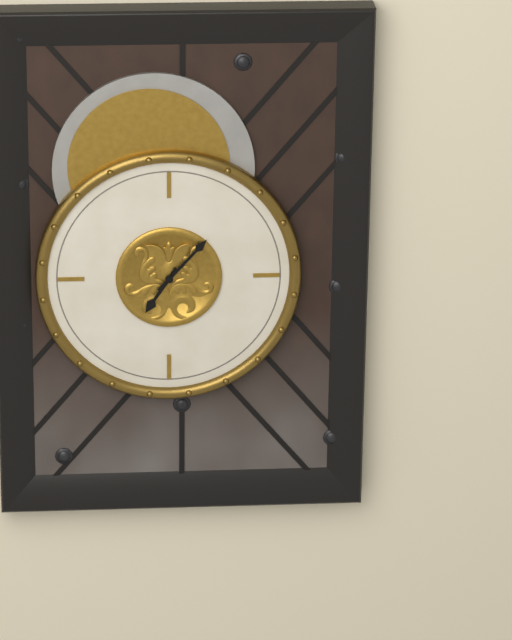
{"hour": 7, "minute": 7}
